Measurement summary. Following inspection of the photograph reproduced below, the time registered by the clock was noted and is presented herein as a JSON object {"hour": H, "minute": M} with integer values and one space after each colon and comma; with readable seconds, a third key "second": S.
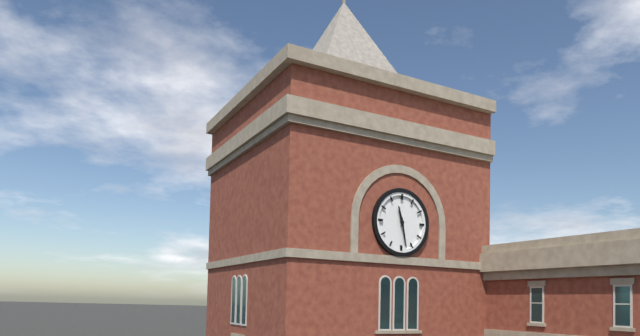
{"hour": 11, "minute": 28}
